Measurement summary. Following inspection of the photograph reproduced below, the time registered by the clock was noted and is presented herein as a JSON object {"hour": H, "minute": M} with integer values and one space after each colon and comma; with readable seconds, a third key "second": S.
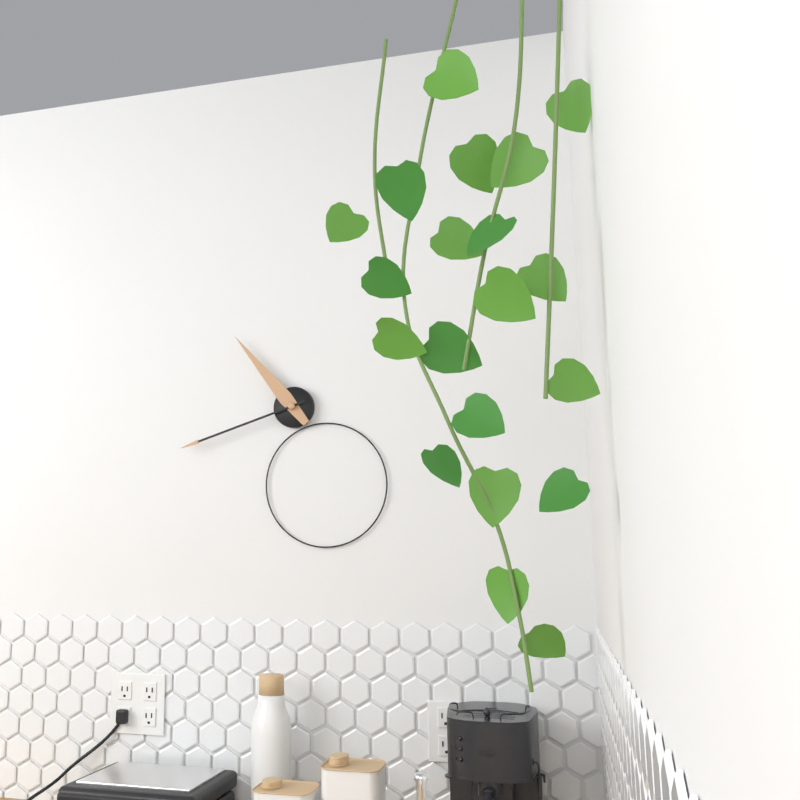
{"hour": 10, "minute": 42}
